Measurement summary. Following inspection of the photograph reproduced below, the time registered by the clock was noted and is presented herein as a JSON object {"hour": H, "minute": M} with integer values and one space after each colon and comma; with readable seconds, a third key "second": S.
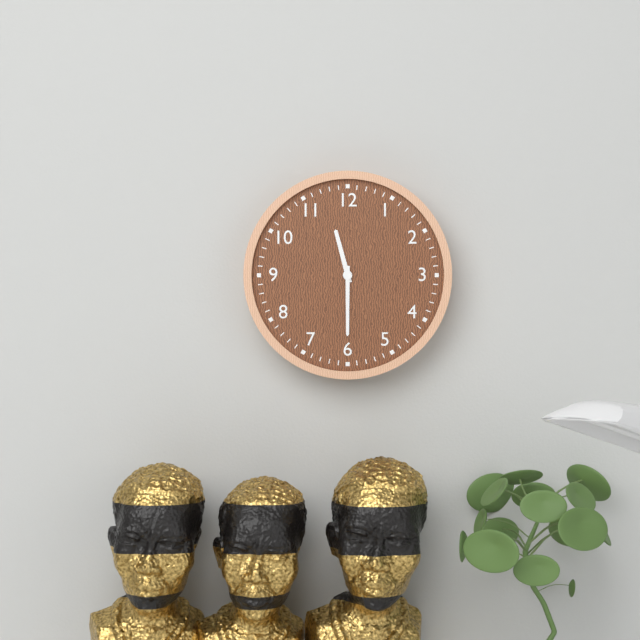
{"hour": 11, "minute": 30}
